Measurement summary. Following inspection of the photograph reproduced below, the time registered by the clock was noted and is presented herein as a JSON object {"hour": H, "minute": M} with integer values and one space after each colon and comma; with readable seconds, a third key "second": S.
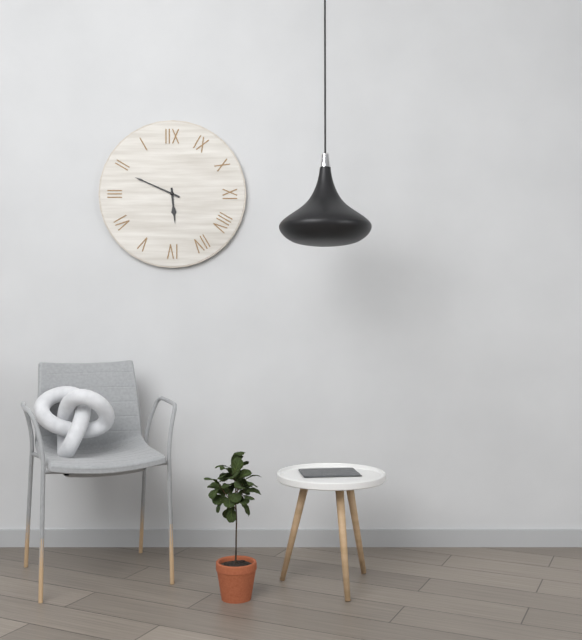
{"hour": 5, "minute": 49}
